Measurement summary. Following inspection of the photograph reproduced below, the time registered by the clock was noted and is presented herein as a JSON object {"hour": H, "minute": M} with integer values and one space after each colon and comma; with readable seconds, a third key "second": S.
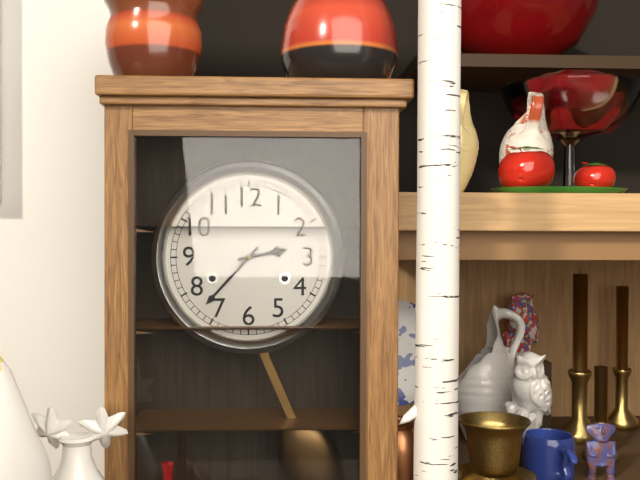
{"hour": 2, "minute": 37}
